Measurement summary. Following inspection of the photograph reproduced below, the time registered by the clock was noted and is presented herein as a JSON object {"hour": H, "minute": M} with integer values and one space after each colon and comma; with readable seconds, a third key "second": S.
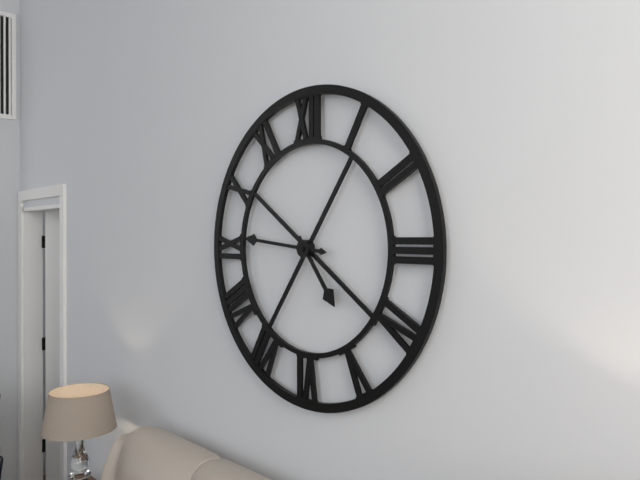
{"hour": 4, "minute": 46}
